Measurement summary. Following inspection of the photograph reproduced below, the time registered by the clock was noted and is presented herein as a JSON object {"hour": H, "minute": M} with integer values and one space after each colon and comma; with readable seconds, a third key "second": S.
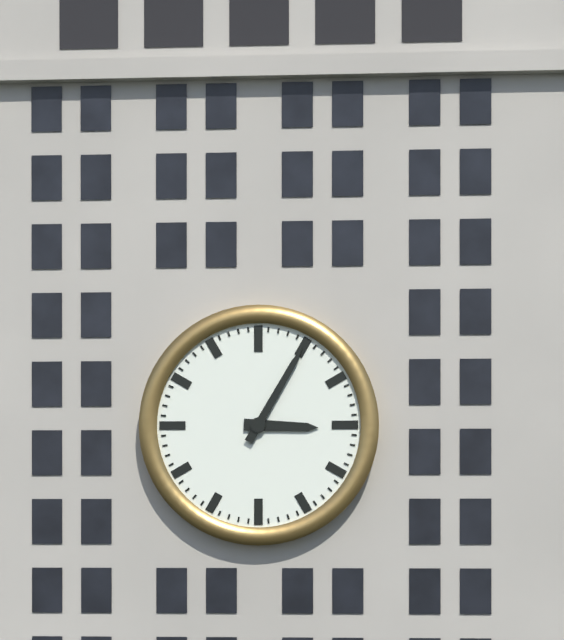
{"hour": 3, "minute": 5}
